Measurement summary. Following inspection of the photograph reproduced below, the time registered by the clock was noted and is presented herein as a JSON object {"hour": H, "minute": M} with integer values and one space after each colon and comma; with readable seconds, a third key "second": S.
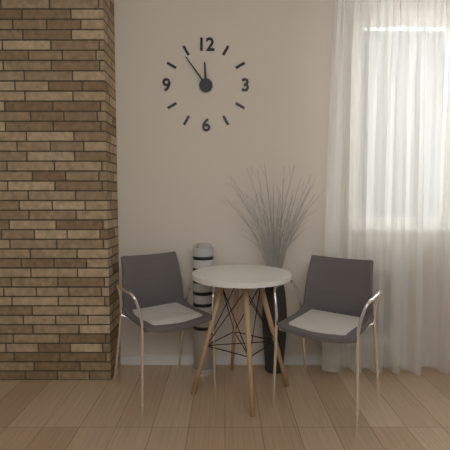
{"hour": 11, "minute": 54}
